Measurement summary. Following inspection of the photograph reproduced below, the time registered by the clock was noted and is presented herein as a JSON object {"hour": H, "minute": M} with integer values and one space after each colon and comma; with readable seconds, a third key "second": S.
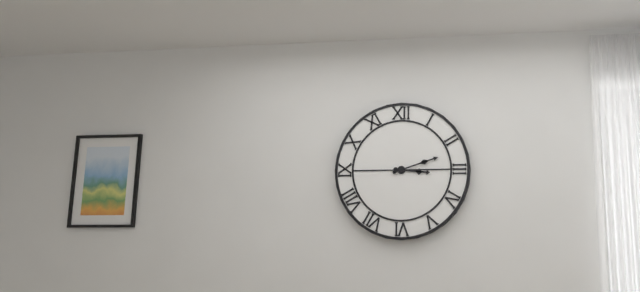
{"hour": 3, "minute": 12}
